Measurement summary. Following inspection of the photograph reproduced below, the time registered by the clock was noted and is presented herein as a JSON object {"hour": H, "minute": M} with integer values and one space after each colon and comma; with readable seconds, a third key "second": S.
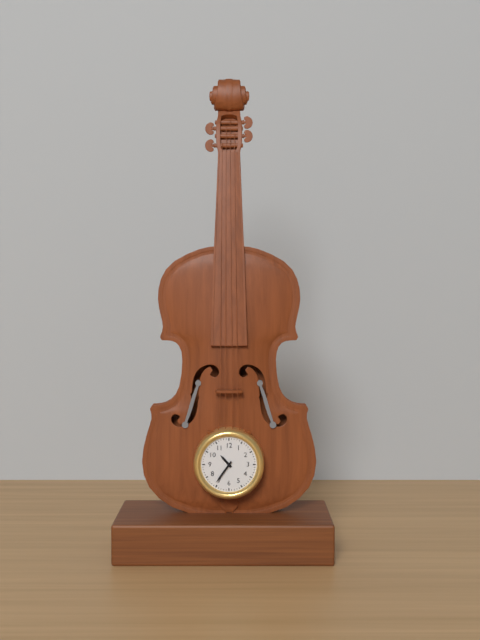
{"hour": 10, "minute": 36}
